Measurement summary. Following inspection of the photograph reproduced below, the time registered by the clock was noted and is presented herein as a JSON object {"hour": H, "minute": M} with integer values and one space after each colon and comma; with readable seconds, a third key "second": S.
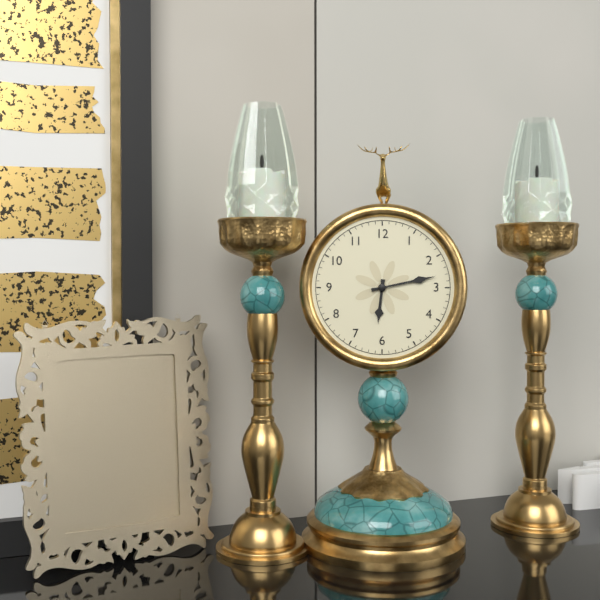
{"hour": 6, "minute": 13}
